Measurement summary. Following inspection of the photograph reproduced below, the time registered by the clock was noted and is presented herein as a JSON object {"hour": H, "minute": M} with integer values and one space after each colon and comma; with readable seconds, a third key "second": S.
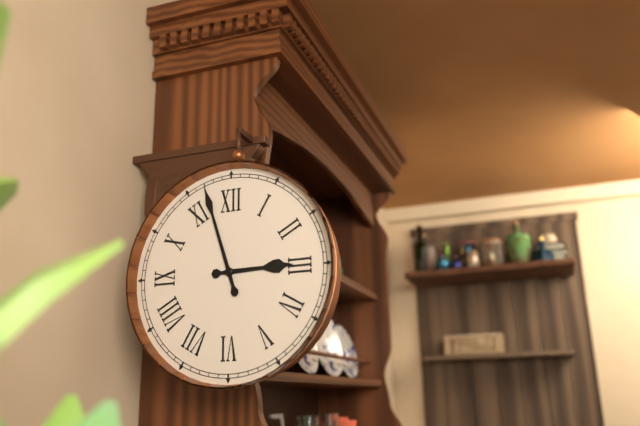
{"hour": 2, "minute": 57}
